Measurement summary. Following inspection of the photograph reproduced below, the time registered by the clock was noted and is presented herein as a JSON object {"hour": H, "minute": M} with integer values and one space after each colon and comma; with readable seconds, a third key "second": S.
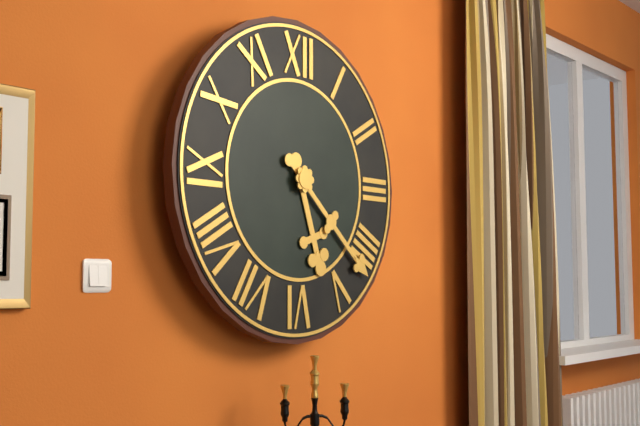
{"hour": 5, "minute": 22}
